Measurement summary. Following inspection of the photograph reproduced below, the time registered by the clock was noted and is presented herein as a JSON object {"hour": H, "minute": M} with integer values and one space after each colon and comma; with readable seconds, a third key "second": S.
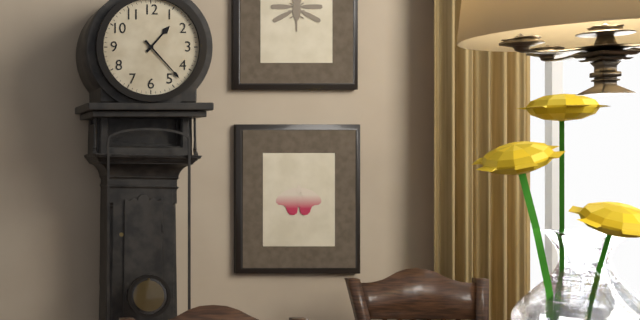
{"hour": 1, "minute": 23}
